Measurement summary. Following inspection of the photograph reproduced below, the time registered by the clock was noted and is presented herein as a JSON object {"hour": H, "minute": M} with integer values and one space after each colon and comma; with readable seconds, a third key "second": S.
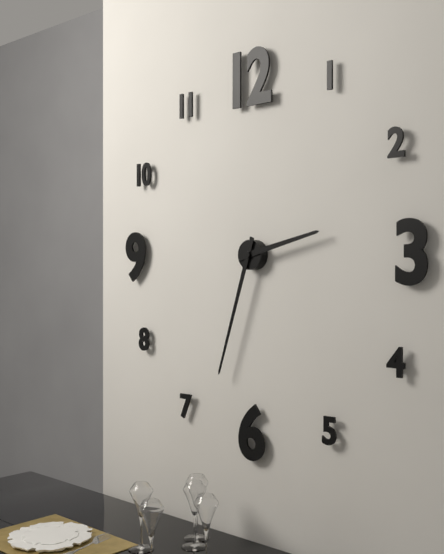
{"hour": 2, "minute": 33}
